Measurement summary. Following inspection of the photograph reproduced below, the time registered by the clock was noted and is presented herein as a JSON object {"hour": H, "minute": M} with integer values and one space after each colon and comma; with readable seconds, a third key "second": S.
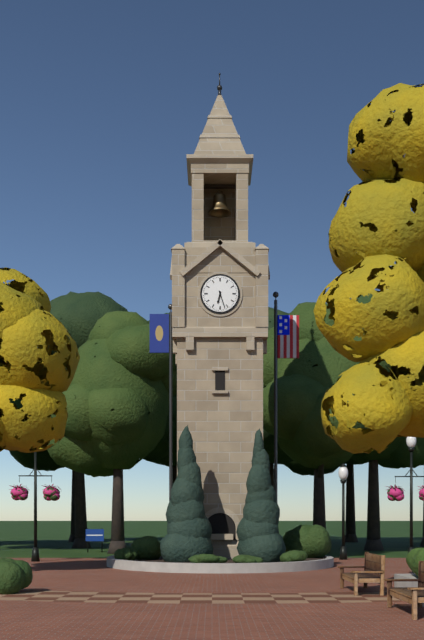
{"hour": 6, "minute": 27}
